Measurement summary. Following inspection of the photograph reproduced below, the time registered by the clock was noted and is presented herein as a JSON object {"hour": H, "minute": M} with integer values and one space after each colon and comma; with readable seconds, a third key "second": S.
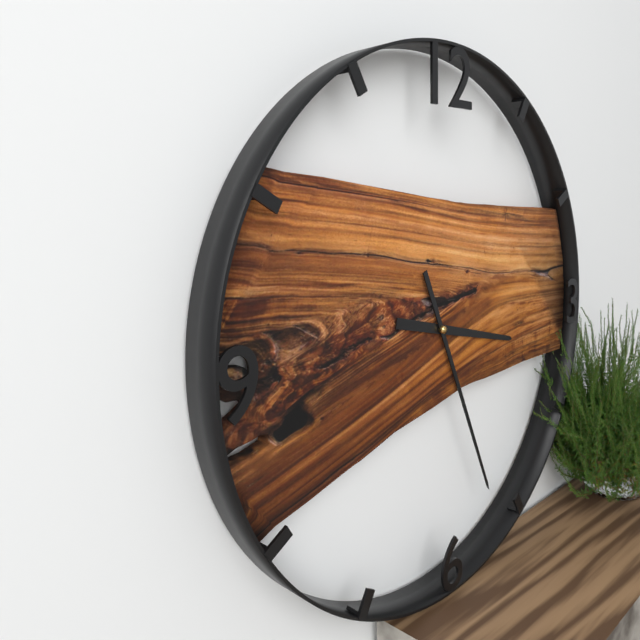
{"hour": 3, "minute": 26}
